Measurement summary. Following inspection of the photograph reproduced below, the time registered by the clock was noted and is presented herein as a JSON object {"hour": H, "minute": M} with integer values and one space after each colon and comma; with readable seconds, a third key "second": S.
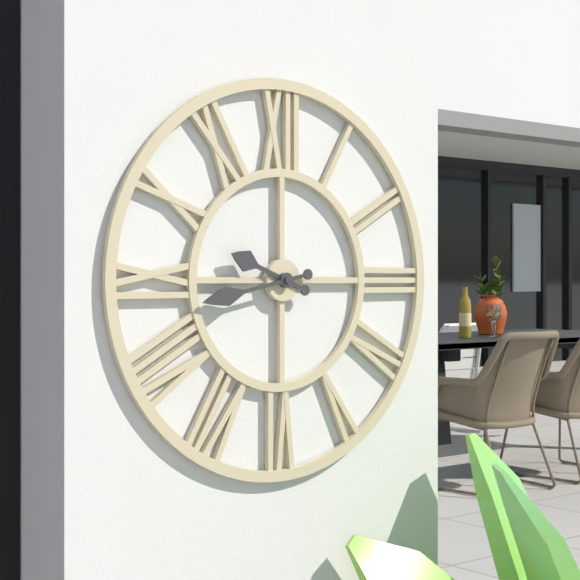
{"hour": 9, "minute": 43}
